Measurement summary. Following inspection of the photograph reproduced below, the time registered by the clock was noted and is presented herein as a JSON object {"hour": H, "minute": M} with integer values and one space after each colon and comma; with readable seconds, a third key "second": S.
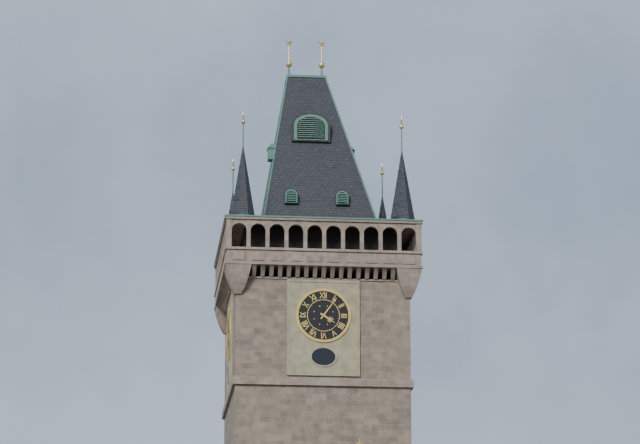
{"hour": 4, "minute": 6}
